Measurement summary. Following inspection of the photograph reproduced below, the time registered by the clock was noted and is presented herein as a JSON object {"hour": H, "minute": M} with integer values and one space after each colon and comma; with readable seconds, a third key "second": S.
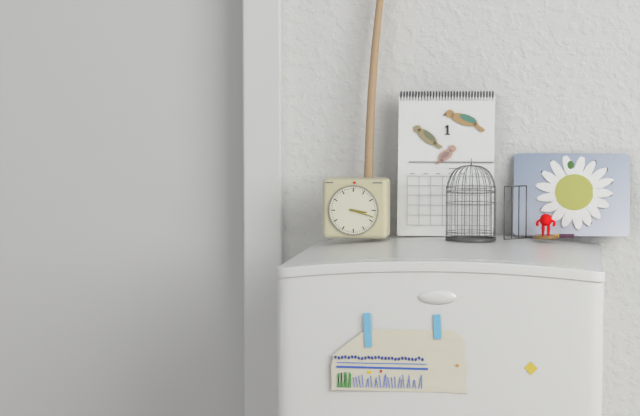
{"hour": 3, "minute": 18}
